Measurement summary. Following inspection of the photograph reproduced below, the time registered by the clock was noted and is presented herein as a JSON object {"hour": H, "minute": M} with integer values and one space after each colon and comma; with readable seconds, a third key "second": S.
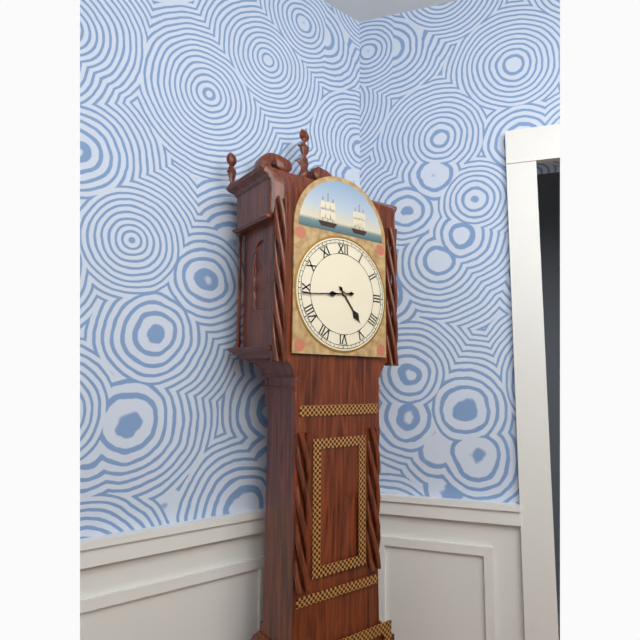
{"hour": 4, "minute": 44}
